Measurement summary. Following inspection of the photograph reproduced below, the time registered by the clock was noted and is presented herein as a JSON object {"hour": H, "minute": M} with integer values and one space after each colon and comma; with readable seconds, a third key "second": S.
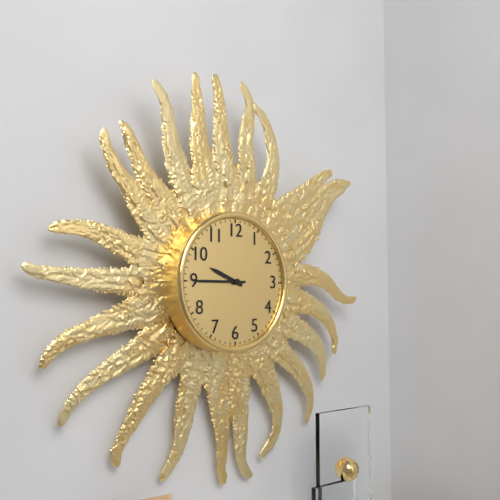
{"hour": 9, "minute": 45}
